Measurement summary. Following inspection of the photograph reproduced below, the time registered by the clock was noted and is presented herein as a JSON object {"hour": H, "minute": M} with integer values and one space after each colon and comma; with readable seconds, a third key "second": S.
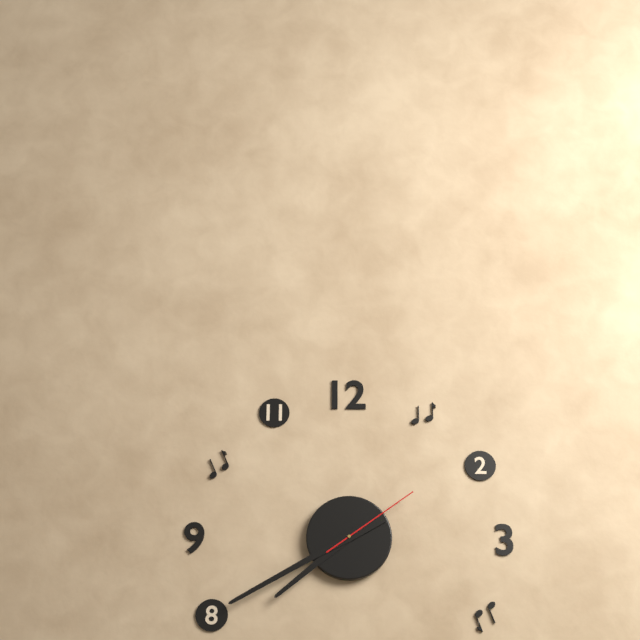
{"hour": 7, "minute": 40, "second": 9}
